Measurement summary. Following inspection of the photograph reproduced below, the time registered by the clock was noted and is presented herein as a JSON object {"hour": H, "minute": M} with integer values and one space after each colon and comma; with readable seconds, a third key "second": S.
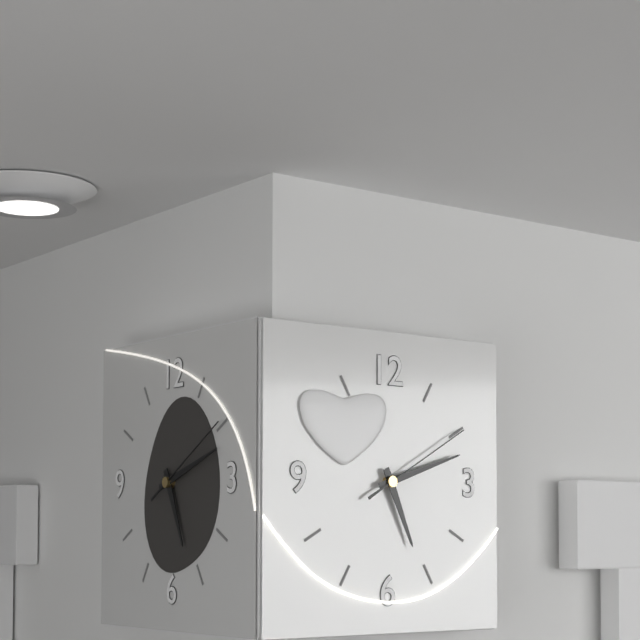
{"hour": 5, "minute": 12, "second": 10}
